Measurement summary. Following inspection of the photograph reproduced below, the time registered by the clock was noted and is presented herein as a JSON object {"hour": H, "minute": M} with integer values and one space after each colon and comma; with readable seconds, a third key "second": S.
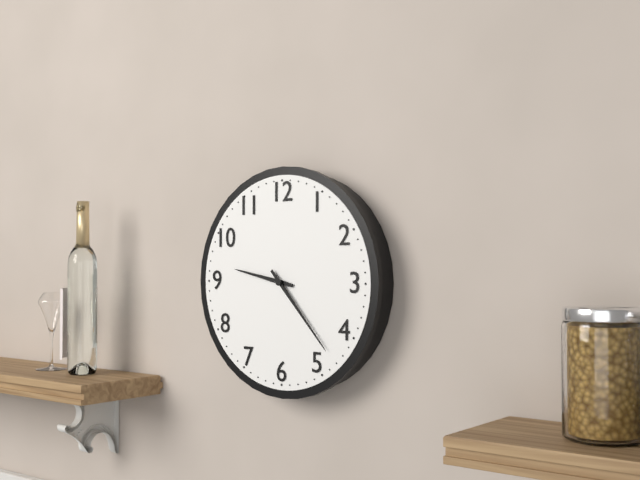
{"hour": 9, "minute": 23}
